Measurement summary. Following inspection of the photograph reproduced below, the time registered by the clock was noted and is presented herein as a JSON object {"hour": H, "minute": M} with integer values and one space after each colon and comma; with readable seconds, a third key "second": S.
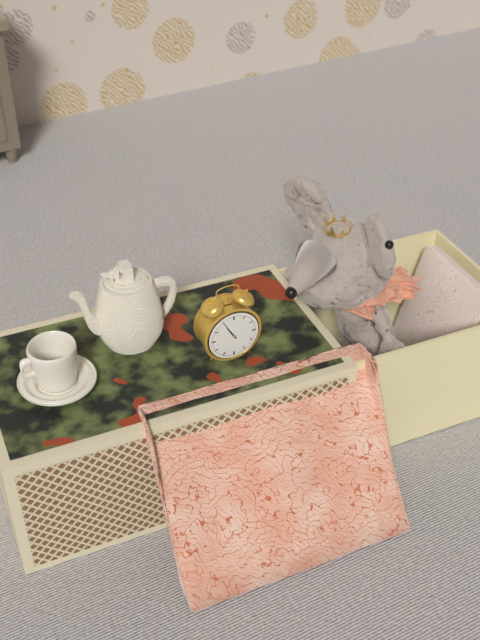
{"hour": 10, "minute": 55}
